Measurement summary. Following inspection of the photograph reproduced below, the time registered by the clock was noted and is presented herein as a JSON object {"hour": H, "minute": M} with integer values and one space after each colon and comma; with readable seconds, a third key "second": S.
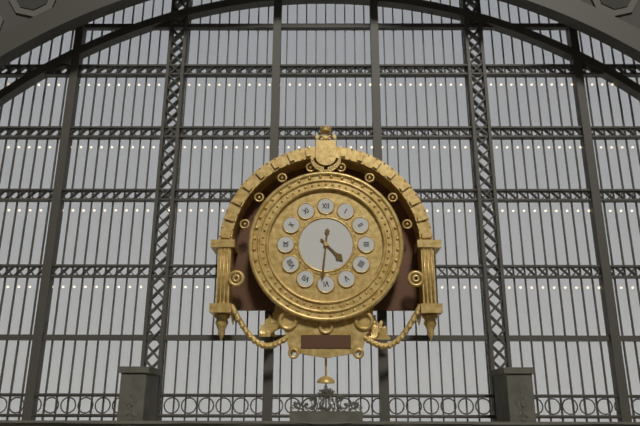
{"hour": 4, "minute": 31}
